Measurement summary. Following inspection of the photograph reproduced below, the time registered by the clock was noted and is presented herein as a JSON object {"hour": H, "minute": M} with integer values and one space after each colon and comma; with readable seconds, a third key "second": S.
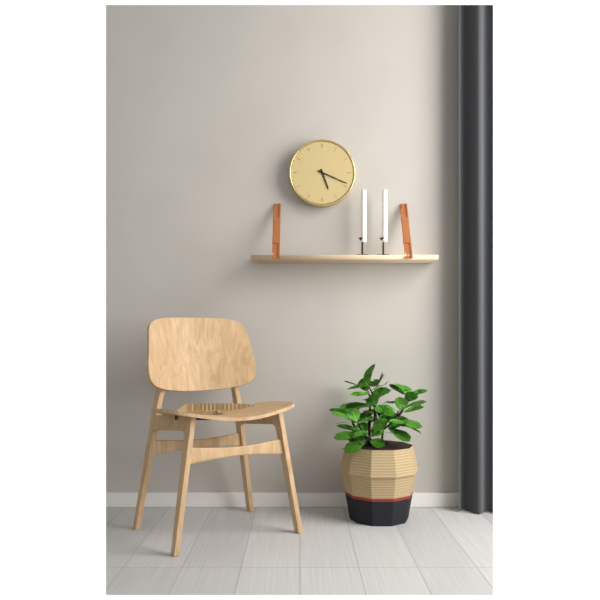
{"hour": 5, "minute": 19}
